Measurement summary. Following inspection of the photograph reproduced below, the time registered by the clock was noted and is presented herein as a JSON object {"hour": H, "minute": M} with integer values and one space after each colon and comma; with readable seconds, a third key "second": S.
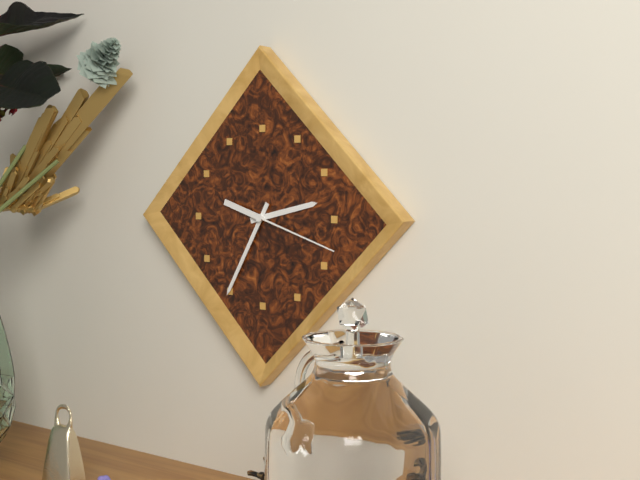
{"hour": 2, "minute": 35, "second": 18}
